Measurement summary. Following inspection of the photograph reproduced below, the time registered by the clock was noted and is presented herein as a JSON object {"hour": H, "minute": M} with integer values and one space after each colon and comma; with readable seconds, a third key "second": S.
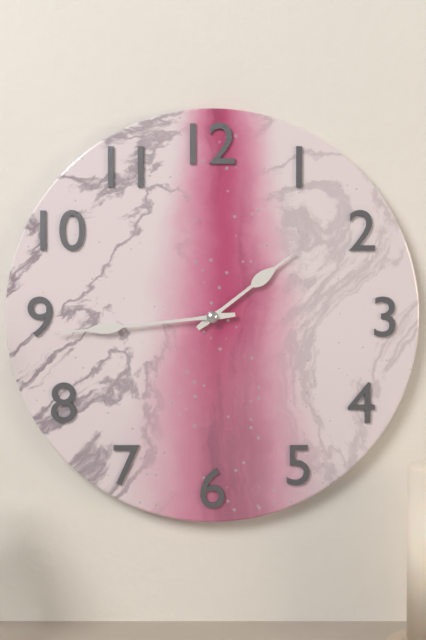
{"hour": 1, "minute": 44}
